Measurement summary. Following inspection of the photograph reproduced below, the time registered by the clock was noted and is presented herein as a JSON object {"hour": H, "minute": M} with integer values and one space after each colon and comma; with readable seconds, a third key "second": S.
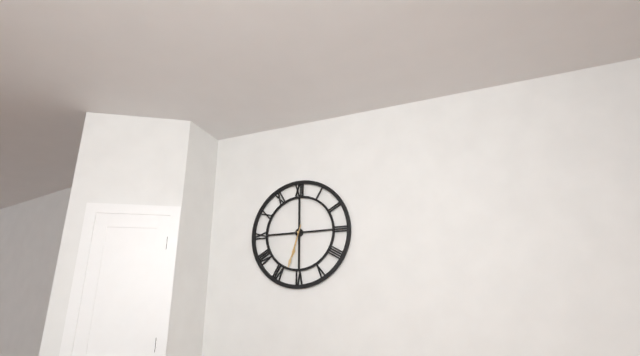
{"hour": 6, "minute": 33}
